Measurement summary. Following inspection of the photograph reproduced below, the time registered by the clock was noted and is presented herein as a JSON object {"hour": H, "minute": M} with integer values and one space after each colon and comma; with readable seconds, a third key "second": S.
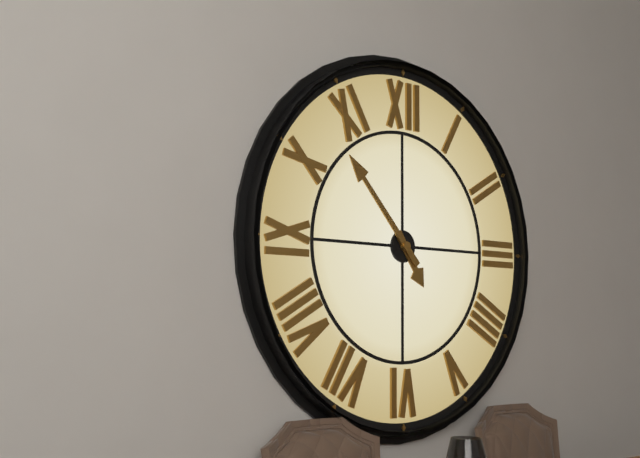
{"hour": 4, "minute": 53}
